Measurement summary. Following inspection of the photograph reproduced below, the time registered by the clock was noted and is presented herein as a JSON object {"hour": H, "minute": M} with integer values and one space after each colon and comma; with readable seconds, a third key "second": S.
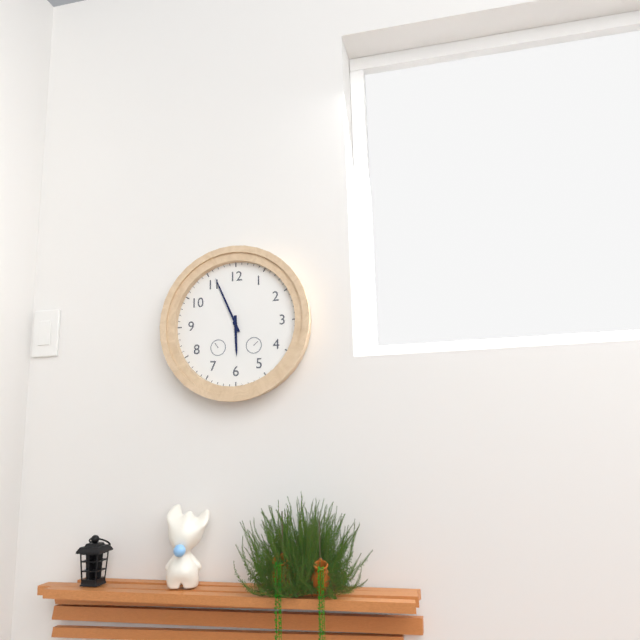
{"hour": 5, "minute": 56}
